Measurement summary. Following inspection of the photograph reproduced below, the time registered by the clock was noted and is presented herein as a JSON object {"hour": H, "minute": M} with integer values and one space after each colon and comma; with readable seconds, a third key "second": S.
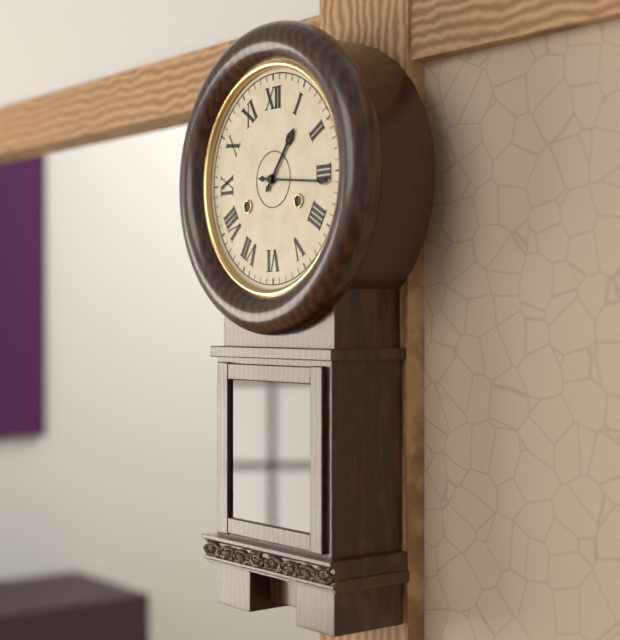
{"hour": 1, "minute": 16}
